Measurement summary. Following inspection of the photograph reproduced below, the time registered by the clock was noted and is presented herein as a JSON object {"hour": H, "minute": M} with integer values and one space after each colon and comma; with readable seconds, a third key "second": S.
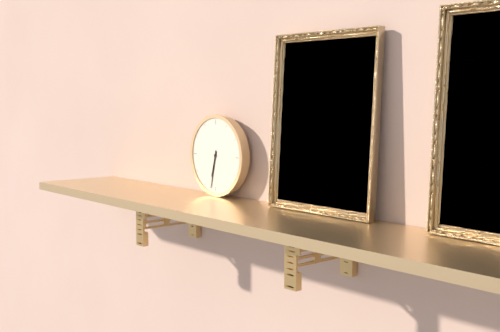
{"hour": 6, "minute": 32}
